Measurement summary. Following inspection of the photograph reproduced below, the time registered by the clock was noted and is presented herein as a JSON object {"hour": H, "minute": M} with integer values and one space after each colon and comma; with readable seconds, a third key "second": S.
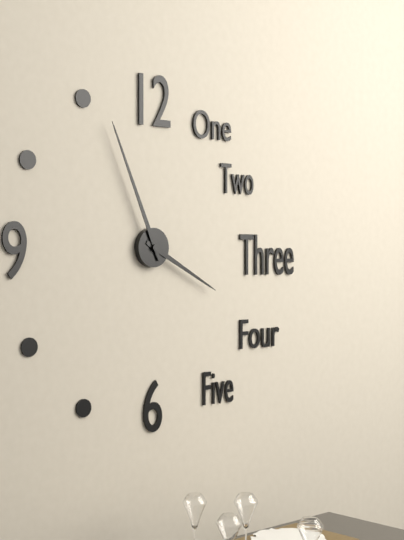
{"hour": 3, "minute": 56}
